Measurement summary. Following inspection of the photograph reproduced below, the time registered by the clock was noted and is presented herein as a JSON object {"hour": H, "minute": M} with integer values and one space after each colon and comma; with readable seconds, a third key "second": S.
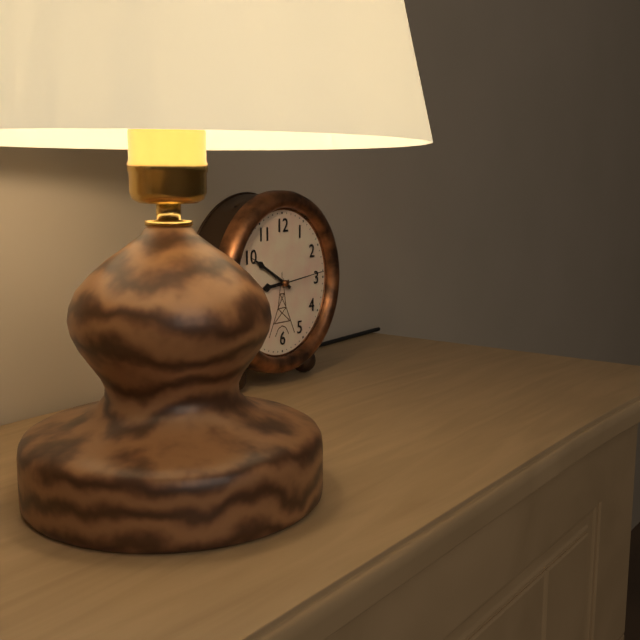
{"hour": 8, "minute": 50}
